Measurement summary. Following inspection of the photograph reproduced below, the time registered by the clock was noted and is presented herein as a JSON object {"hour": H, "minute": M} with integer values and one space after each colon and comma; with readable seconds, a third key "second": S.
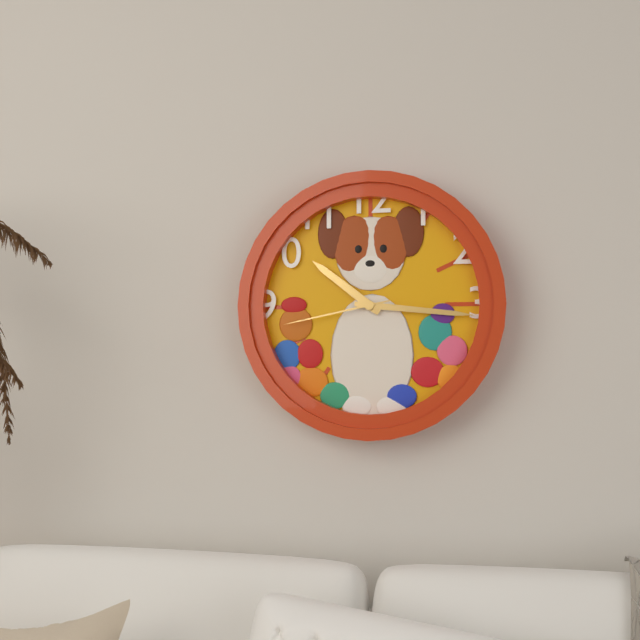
{"hour": 10, "minute": 16, "second": 43}
